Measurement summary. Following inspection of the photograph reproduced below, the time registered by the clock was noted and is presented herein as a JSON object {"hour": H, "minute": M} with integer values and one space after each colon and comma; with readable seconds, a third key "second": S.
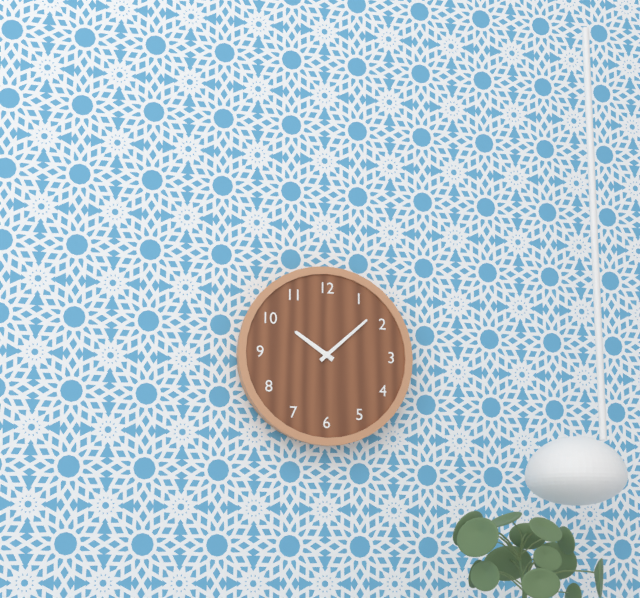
{"hour": 10, "minute": 8}
